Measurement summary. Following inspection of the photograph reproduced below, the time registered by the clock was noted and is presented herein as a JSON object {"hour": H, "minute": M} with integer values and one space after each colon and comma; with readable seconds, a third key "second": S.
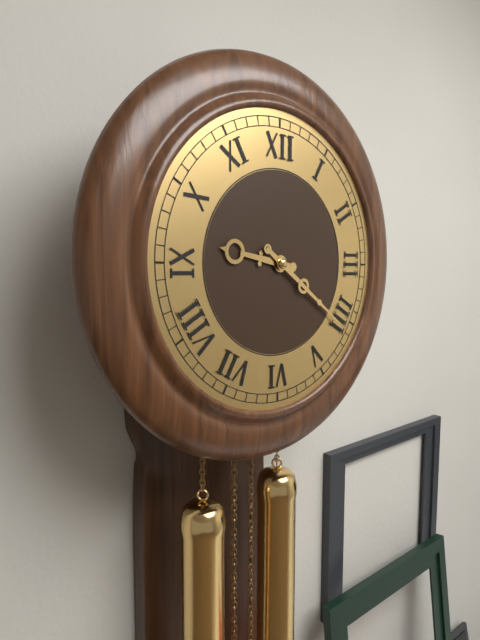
{"hour": 9, "minute": 21}
